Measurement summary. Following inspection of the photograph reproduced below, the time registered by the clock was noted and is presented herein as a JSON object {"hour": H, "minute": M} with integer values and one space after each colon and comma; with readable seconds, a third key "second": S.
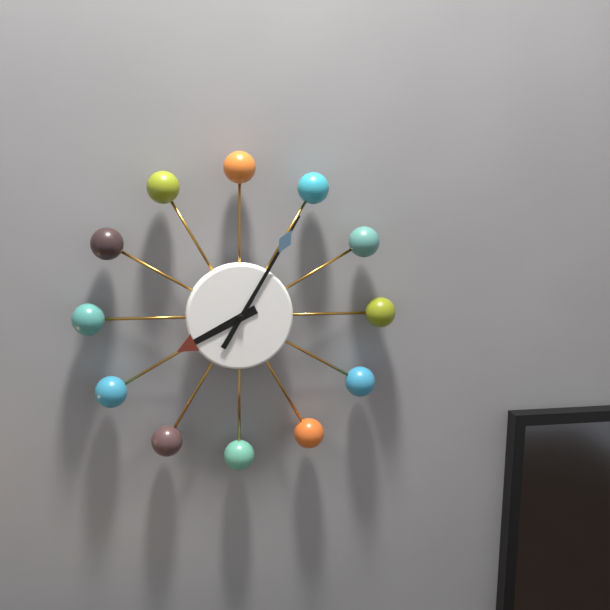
{"hour": 8, "minute": 5}
